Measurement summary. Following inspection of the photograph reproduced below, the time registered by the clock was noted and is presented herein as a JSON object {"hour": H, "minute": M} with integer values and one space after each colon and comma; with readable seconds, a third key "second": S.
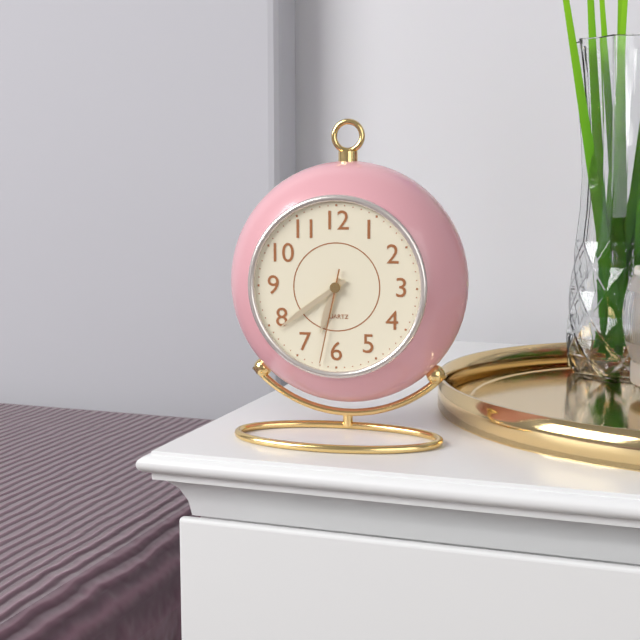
{"hour": 6, "minute": 39, "second": 32}
